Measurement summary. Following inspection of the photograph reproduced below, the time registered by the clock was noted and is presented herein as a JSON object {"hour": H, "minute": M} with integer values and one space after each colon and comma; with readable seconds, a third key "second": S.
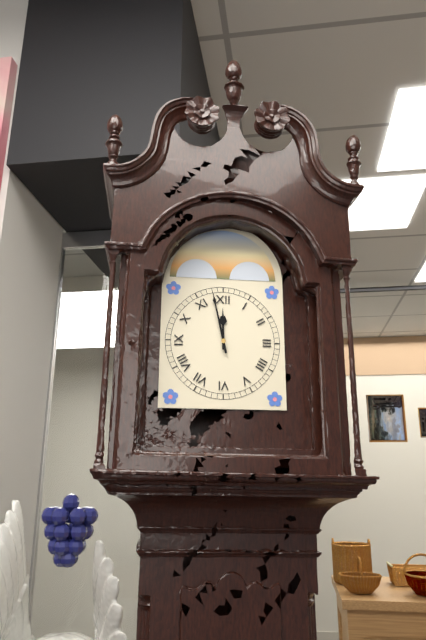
{"hour": 11, "minute": 58}
